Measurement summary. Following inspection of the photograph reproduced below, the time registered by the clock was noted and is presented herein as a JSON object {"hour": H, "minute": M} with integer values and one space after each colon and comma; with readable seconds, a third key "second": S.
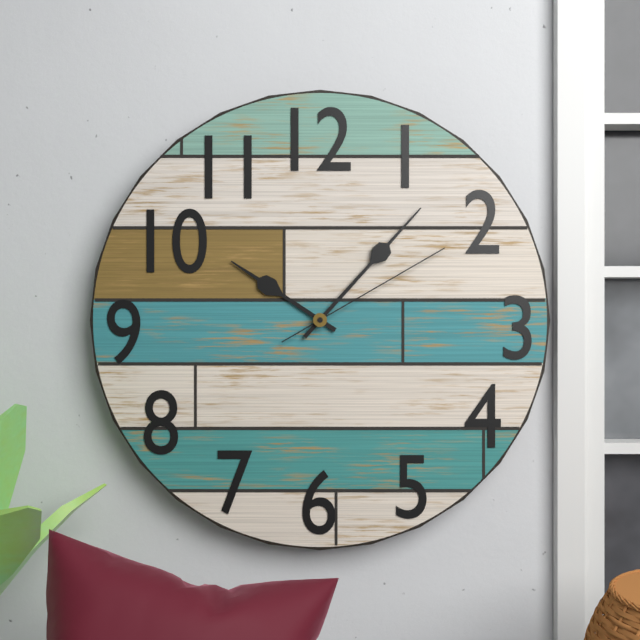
{"hour": 10, "minute": 7, "second": 10}
